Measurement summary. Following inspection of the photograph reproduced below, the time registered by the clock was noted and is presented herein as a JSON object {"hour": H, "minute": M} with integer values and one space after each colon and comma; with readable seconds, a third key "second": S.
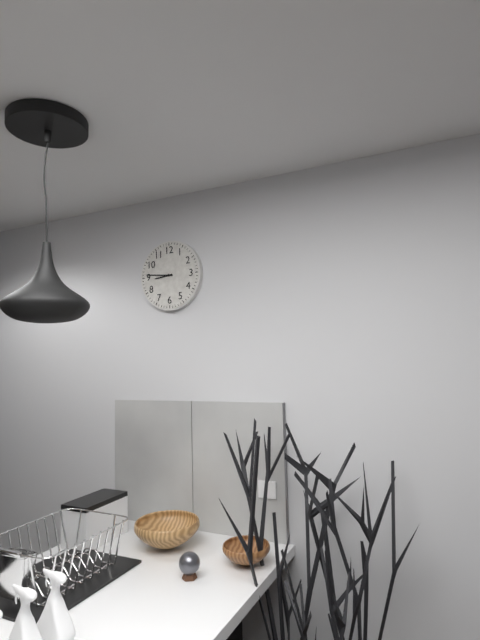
{"hour": 8, "minute": 46}
